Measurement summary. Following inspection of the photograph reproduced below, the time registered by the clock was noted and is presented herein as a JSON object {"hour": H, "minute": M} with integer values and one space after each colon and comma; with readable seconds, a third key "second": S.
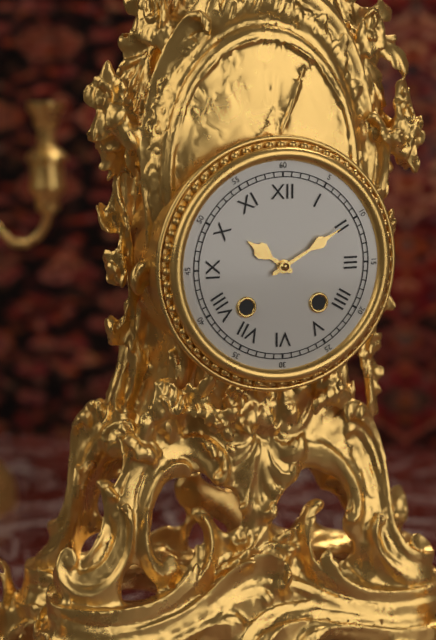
{"hour": 10, "minute": 10}
